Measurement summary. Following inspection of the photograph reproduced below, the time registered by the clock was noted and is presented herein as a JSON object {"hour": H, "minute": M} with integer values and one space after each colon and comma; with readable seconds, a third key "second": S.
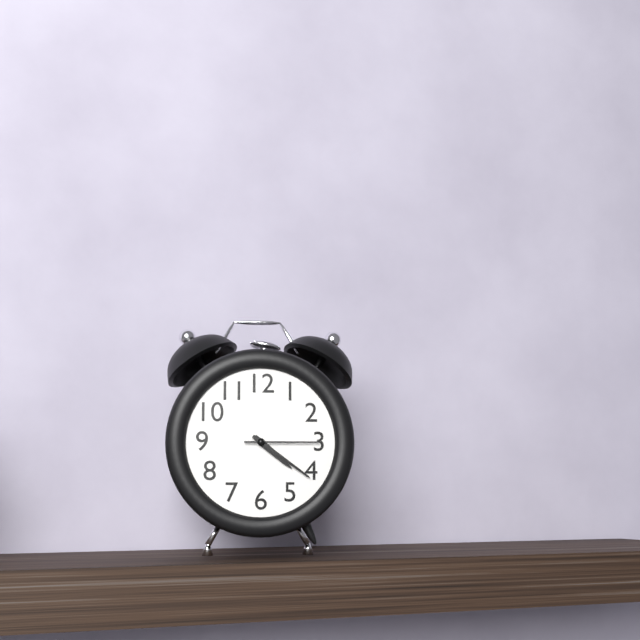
{"hour": 4, "minute": 21, "second": 15}
